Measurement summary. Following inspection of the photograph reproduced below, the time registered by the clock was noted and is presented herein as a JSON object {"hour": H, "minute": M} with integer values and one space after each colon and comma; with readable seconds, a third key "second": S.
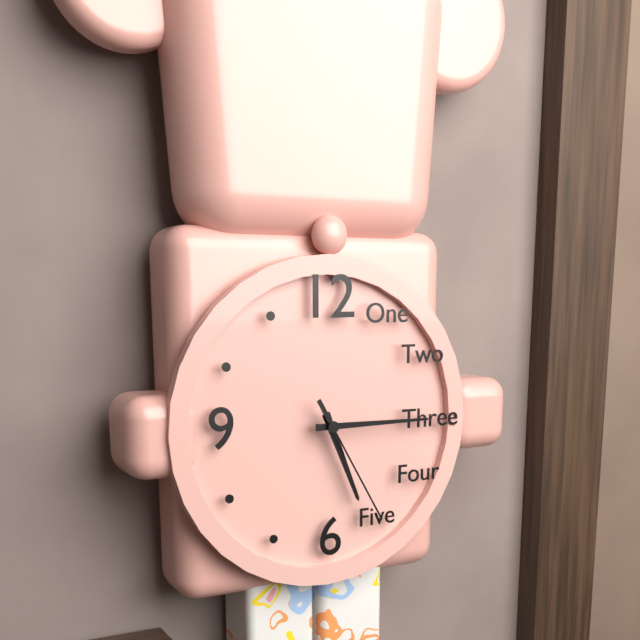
{"hour": 5, "minute": 15, "second": 25}
